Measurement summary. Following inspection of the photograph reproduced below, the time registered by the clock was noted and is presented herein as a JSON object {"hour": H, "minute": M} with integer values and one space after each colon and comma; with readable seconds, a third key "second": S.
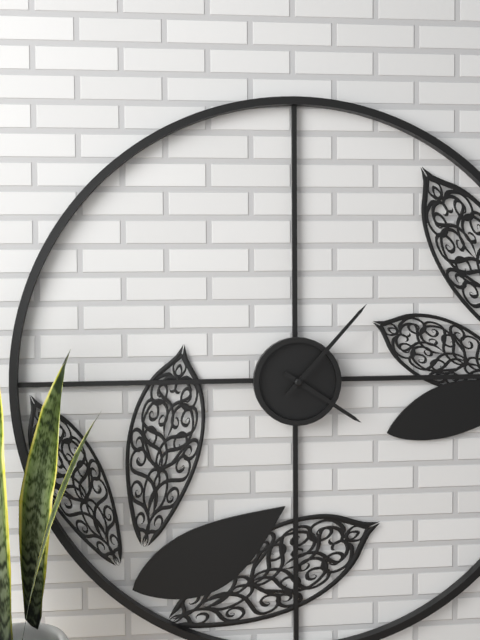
{"hour": 4, "minute": 7}
